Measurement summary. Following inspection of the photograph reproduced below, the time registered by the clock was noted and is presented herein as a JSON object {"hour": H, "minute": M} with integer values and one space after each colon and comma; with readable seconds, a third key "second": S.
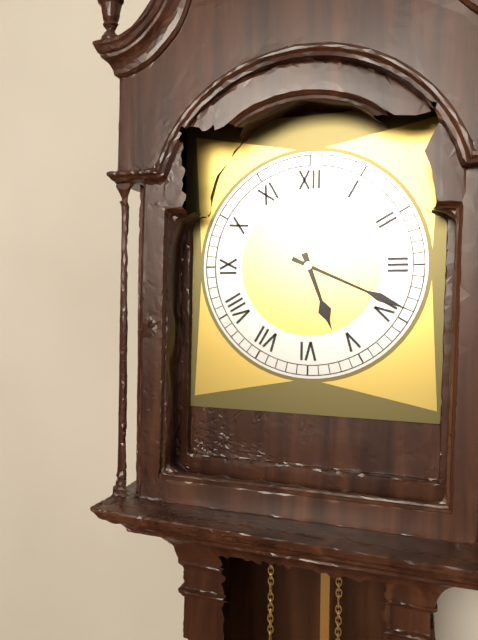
{"hour": 5, "minute": 19}
